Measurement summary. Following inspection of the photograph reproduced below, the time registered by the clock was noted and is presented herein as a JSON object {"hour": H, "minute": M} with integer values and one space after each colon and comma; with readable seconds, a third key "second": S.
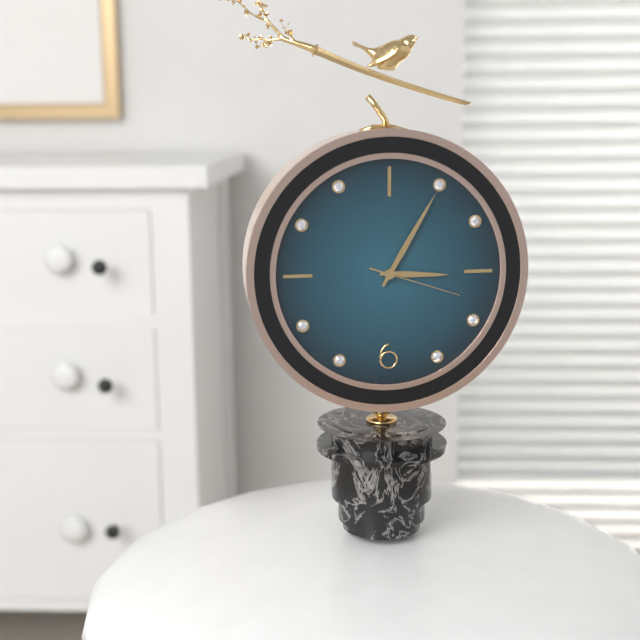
{"hour": 3, "minute": 5, "second": 18}
